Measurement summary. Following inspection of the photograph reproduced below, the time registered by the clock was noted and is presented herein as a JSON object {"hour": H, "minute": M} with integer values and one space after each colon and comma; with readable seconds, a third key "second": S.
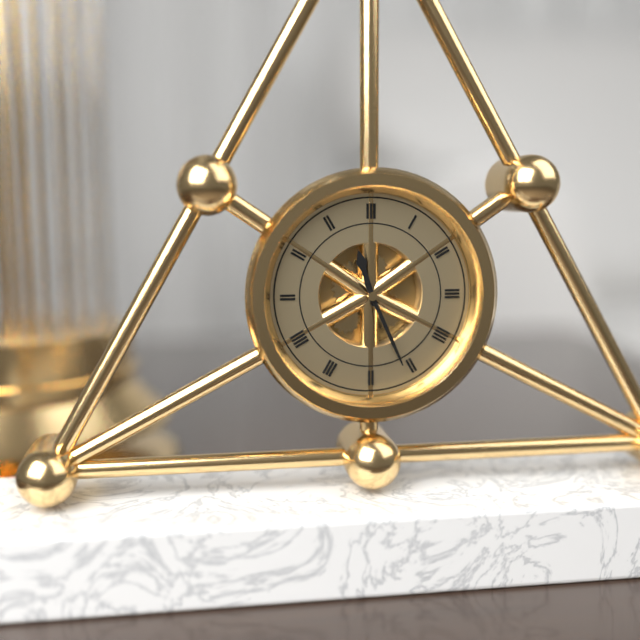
{"hour": 11, "minute": 26}
